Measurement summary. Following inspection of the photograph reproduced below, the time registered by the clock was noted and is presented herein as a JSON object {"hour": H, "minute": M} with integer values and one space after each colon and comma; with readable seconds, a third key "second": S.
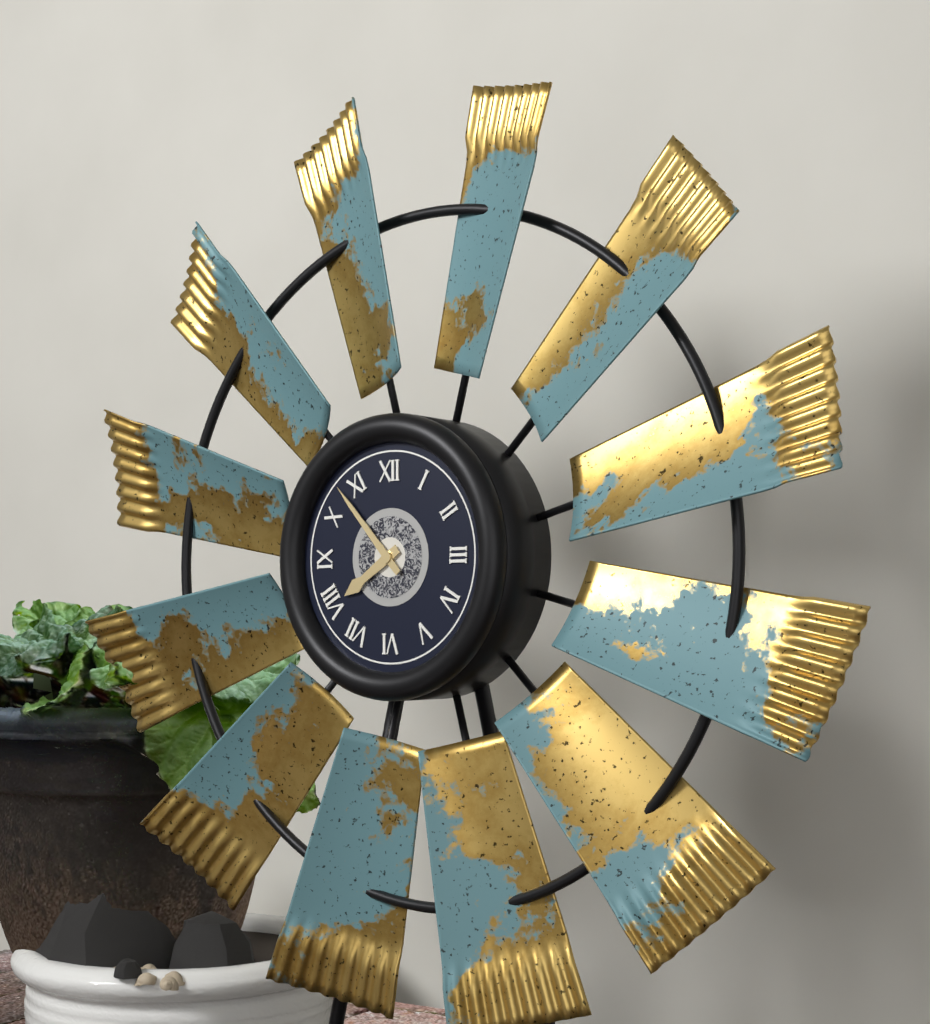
{"hour": 7, "minute": 53}
